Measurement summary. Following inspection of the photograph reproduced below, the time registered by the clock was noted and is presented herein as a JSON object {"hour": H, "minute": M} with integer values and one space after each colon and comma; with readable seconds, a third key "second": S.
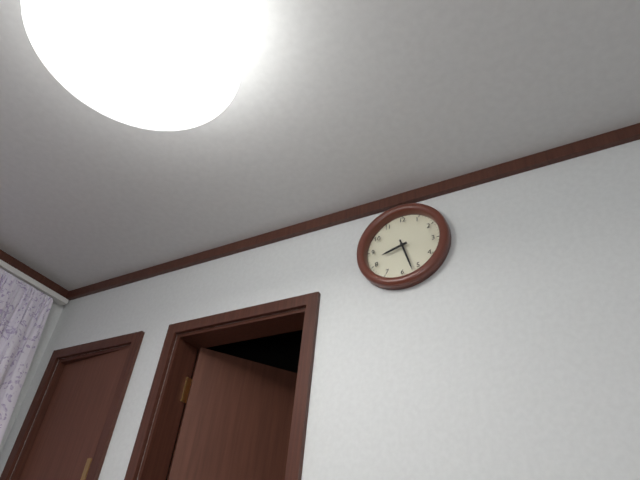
{"hour": 8, "minute": 27}
